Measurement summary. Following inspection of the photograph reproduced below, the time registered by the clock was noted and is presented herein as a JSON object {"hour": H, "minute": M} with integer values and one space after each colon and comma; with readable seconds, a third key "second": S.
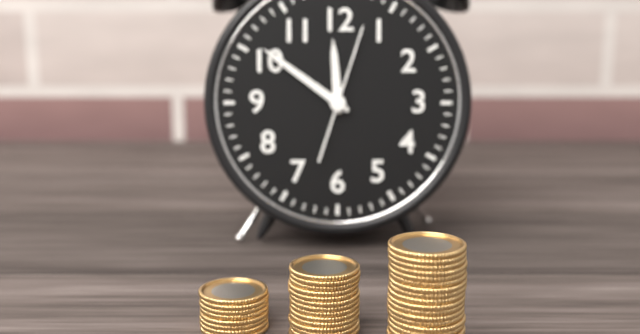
{"hour": 11, "minute": 51, "second": 3}
